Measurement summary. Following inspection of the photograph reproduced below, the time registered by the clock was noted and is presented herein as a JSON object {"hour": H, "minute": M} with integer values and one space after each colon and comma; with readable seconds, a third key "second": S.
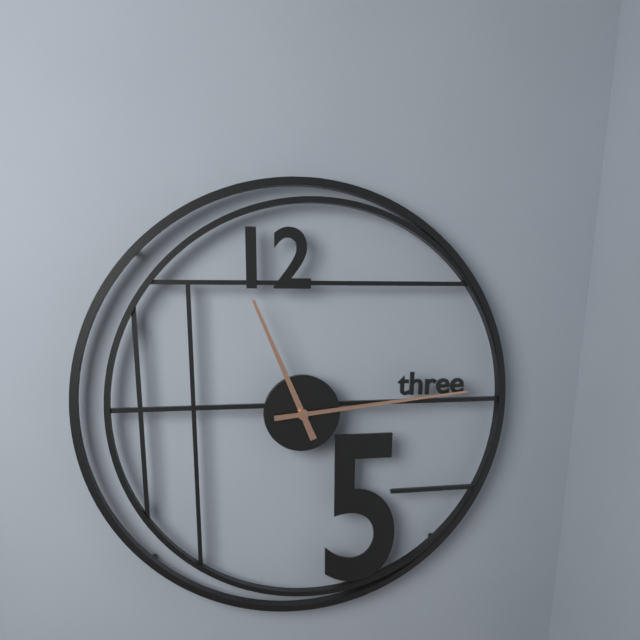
{"hour": 11, "minute": 14}
